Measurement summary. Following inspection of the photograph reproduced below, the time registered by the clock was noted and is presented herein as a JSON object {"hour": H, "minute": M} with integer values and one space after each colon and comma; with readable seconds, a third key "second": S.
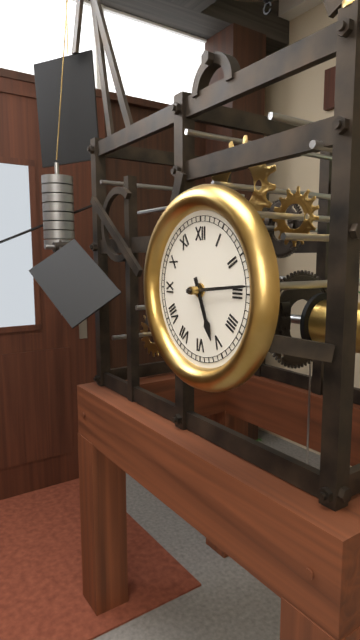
{"hour": 5, "minute": 14}
